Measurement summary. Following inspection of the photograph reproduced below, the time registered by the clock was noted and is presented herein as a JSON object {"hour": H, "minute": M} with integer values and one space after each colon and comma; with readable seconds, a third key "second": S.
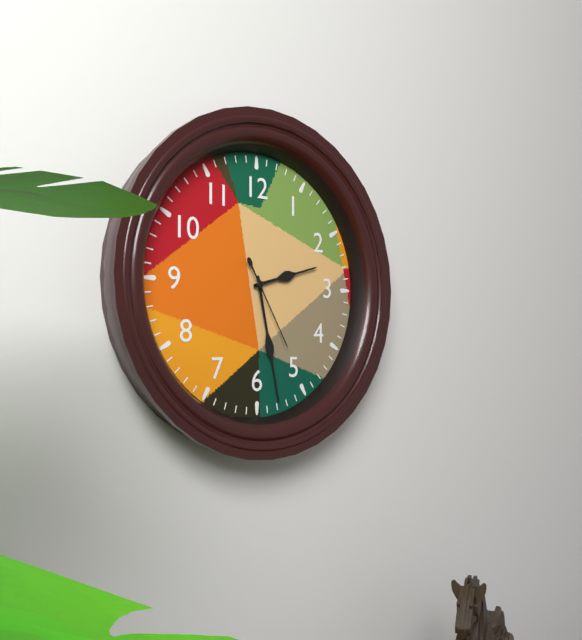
{"hour": 2, "minute": 28, "second": 25}
